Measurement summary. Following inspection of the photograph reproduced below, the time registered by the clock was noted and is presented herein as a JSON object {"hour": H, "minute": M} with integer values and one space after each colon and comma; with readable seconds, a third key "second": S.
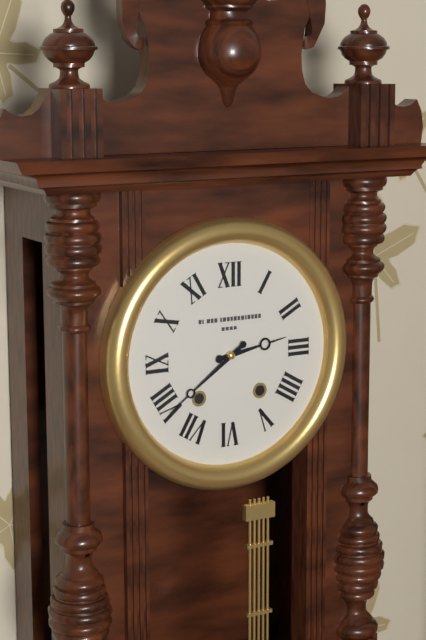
{"hour": 2, "minute": 39}
